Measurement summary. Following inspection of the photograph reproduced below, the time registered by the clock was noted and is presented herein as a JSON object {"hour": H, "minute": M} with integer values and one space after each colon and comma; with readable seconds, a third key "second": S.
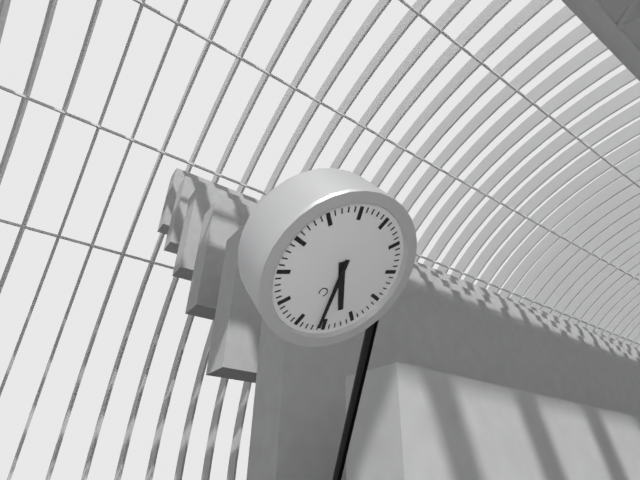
{"hour": 4, "minute": 26}
